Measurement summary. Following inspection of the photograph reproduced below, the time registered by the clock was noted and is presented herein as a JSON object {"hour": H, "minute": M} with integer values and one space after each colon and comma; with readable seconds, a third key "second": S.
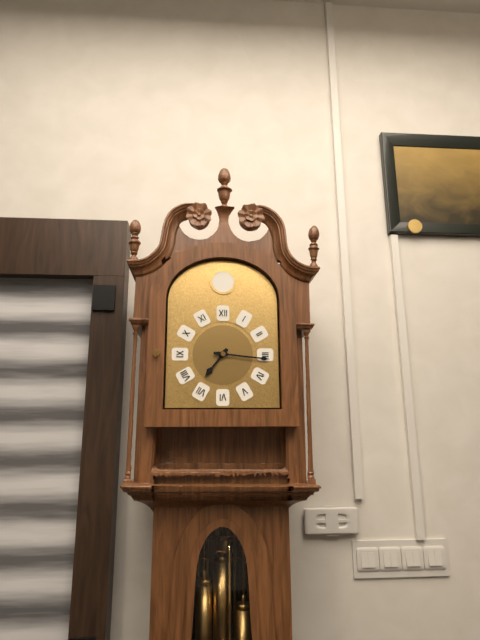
{"hour": 7, "minute": 16}
